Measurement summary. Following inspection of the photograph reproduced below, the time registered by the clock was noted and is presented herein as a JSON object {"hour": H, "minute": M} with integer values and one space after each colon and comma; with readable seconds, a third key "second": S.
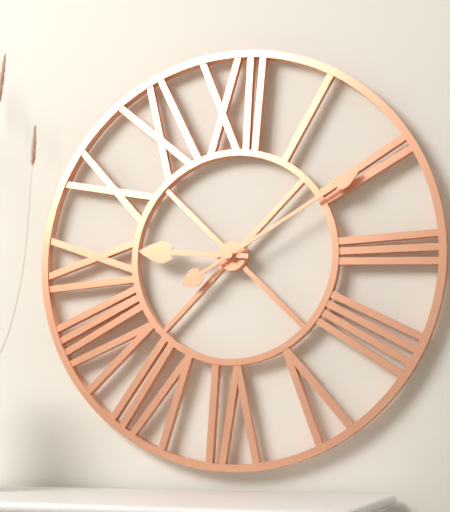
{"hour": 9, "minute": 10}
